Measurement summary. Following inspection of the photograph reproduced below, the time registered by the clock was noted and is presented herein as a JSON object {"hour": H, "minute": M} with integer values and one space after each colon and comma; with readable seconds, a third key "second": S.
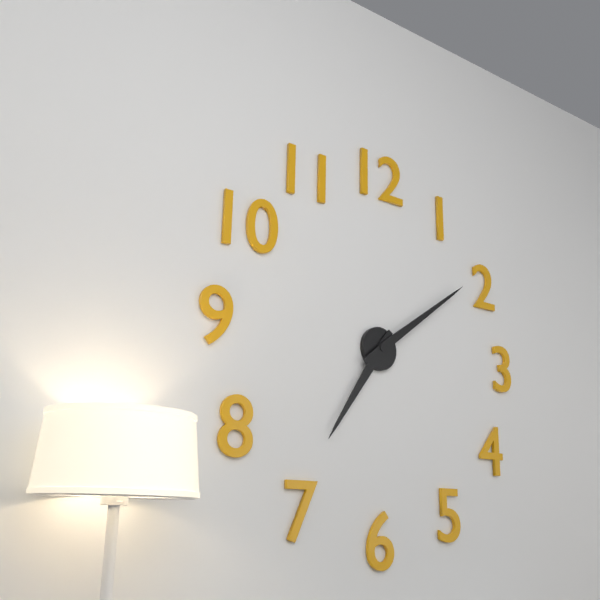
{"hour": 7, "minute": 9}
